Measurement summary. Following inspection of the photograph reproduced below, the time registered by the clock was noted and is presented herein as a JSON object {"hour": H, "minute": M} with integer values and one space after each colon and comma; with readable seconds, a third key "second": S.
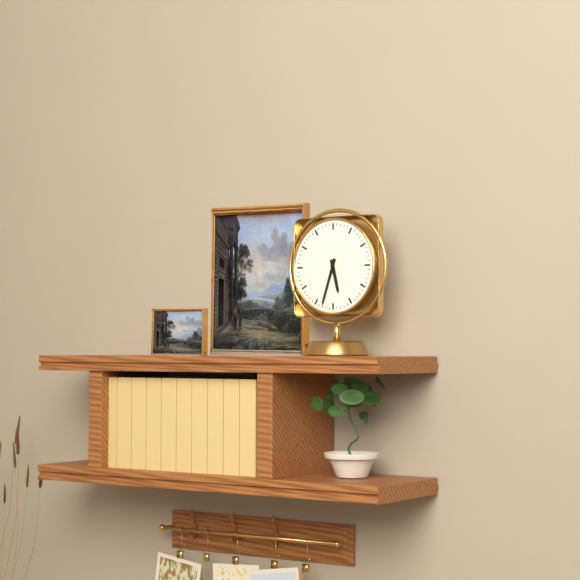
{"hour": 5, "minute": 33}
